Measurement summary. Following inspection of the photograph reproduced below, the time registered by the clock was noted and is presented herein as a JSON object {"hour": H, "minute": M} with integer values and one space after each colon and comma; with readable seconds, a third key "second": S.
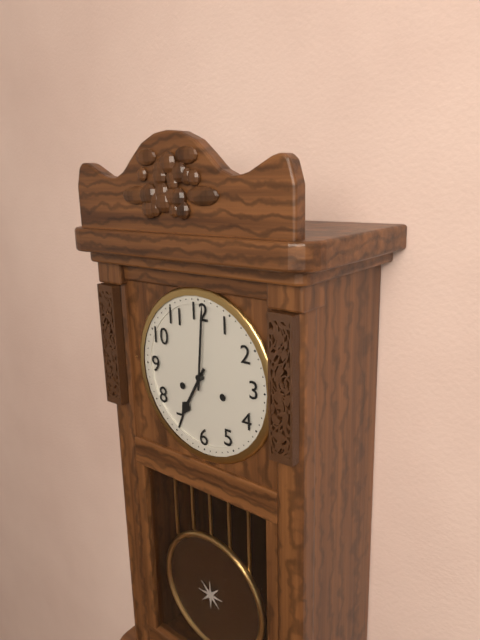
{"hour": 7, "minute": 1}
